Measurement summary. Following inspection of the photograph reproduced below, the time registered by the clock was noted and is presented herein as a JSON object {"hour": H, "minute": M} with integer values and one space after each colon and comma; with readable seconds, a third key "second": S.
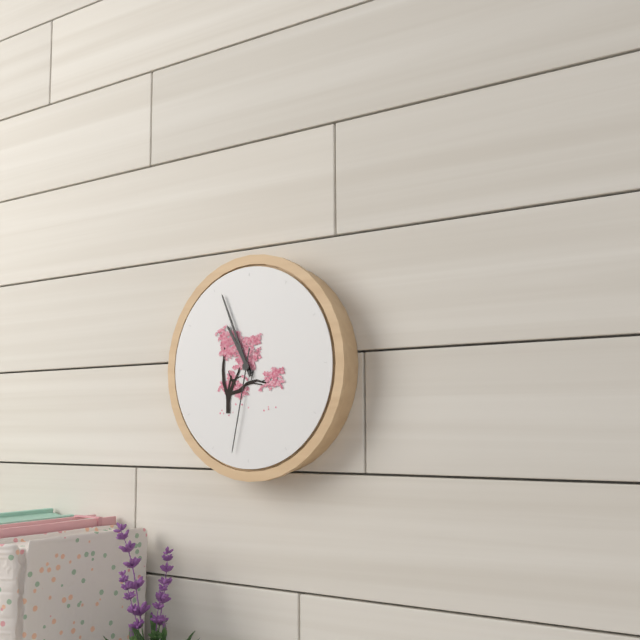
{"hour": 10, "minute": 56, "second": 32}
